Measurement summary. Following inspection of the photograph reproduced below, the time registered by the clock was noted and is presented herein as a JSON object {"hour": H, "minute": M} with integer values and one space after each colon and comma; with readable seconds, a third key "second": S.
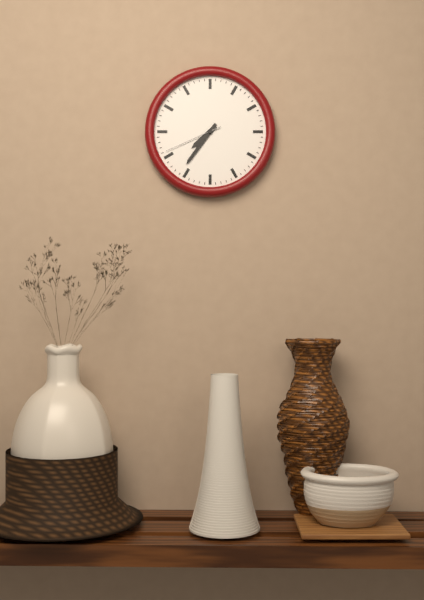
{"hour": 7, "minute": 36, "second": 41}
